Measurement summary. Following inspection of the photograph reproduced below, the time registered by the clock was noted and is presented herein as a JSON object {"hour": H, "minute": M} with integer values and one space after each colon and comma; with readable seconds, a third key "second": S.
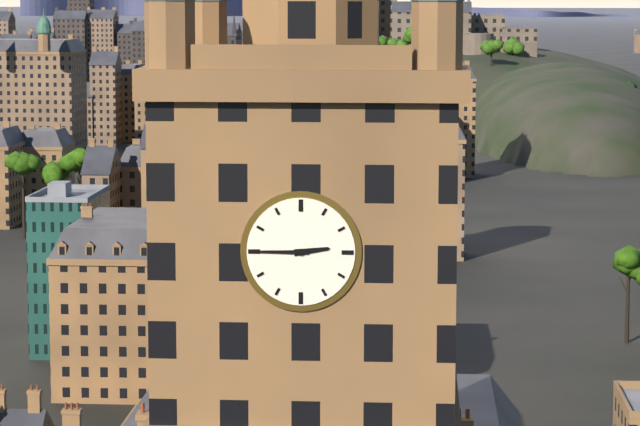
{"hour": 2, "minute": 45}
